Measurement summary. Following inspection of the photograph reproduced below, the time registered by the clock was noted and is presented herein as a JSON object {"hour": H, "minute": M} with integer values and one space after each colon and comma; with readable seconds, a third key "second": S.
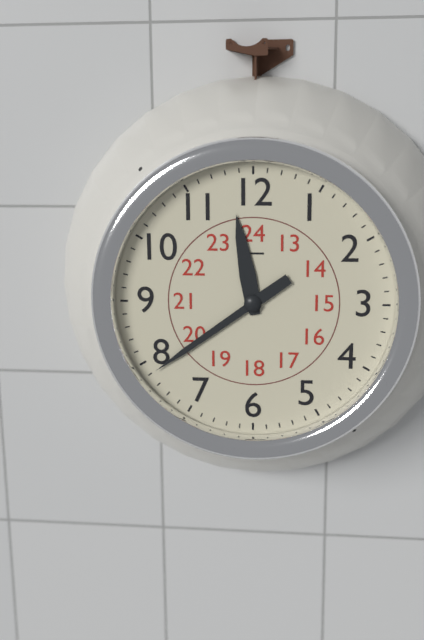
{"hour": 11, "minute": 39}
